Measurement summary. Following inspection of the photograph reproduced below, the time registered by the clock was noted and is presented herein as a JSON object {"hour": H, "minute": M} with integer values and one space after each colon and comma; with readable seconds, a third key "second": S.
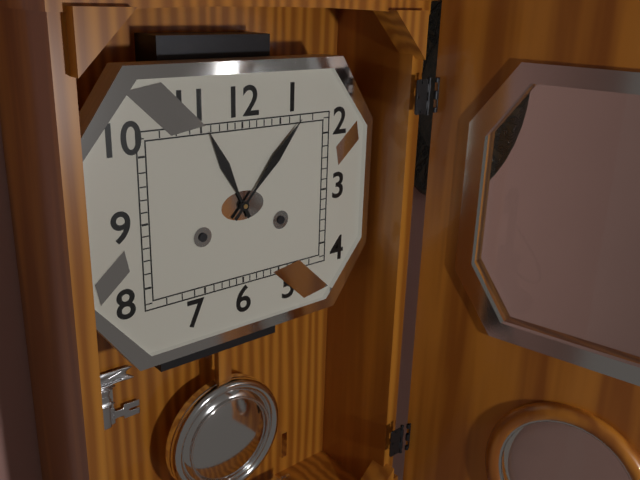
{"hour": 11, "minute": 7}
